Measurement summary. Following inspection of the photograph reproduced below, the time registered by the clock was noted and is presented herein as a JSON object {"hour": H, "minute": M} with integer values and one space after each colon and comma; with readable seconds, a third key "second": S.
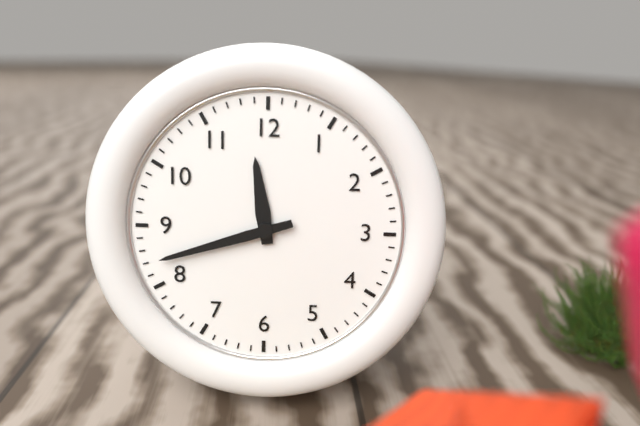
{"hour": 11, "minute": 42}
